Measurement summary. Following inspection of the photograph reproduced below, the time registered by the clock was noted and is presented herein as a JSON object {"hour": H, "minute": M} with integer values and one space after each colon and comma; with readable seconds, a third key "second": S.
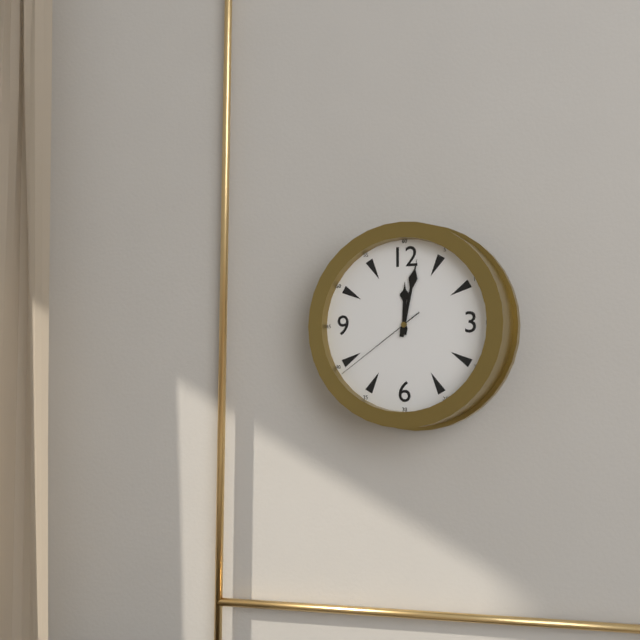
{"hour": 12, "minute": 2, "second": 39}
